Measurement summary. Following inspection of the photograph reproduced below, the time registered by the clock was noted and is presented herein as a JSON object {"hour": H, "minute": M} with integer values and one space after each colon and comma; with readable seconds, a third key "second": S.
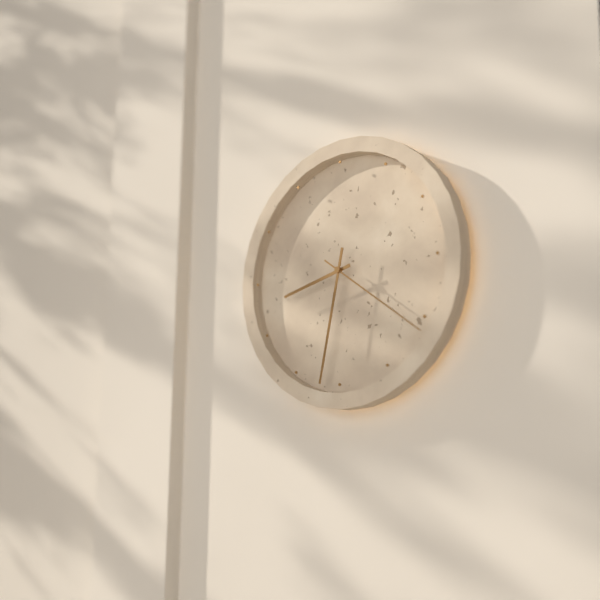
{"hour": 8, "minute": 32, "second": 21}
